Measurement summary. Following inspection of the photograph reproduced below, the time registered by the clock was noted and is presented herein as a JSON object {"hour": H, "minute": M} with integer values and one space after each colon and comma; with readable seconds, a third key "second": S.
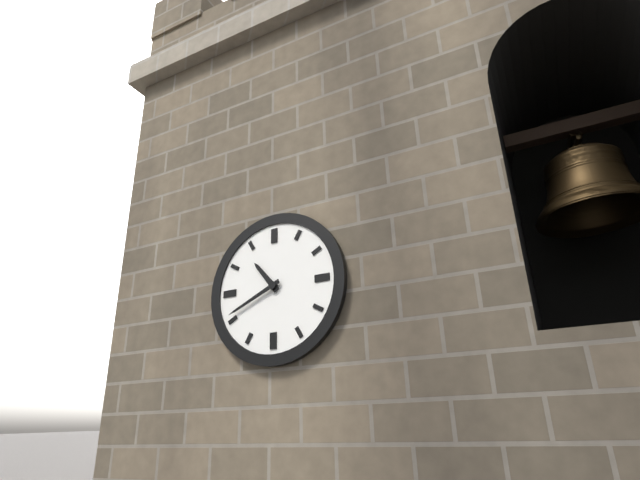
{"hour": 10, "minute": 41}
